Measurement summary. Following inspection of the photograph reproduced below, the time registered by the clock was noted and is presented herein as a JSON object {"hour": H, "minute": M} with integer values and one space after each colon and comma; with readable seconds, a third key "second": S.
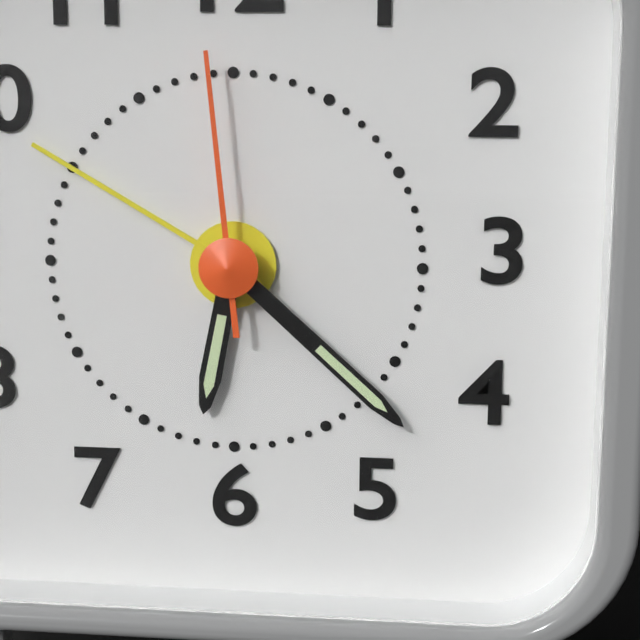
{"hour": 6, "minute": 22, "second": 59}
